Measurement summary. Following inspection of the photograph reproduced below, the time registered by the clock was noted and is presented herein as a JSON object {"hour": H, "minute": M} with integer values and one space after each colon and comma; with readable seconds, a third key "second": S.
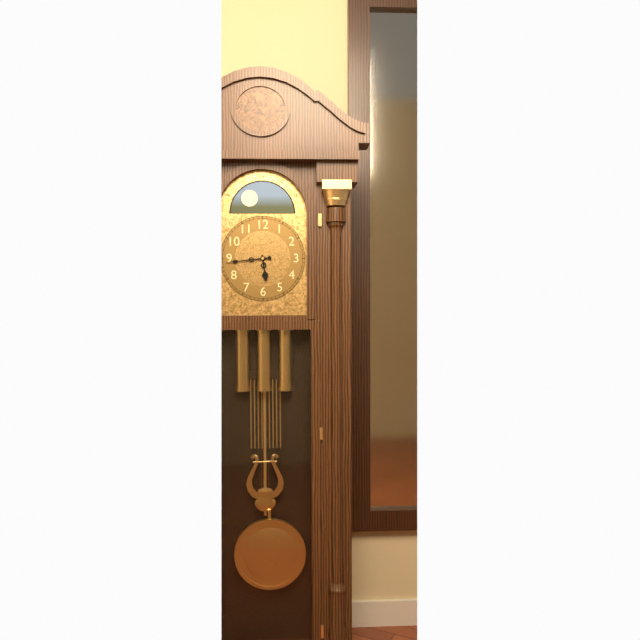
{"hour": 5, "minute": 44}
